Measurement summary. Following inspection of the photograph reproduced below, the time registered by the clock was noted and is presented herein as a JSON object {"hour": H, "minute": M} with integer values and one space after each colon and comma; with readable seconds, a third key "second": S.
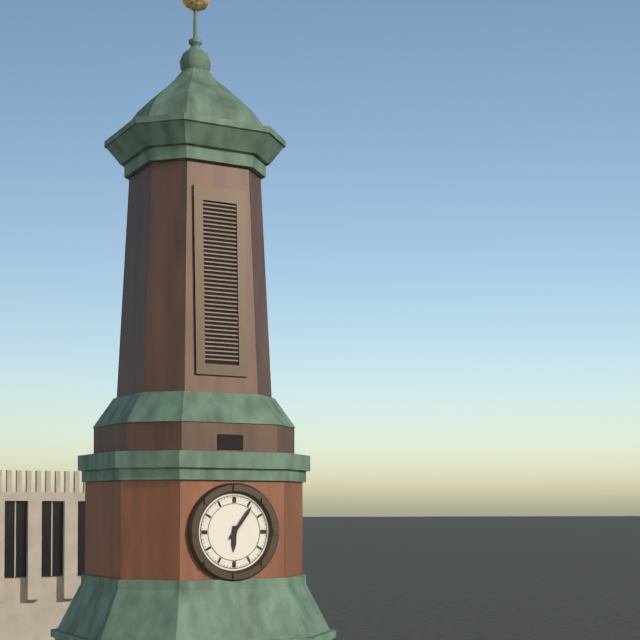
{"hour": 6, "minute": 6}
